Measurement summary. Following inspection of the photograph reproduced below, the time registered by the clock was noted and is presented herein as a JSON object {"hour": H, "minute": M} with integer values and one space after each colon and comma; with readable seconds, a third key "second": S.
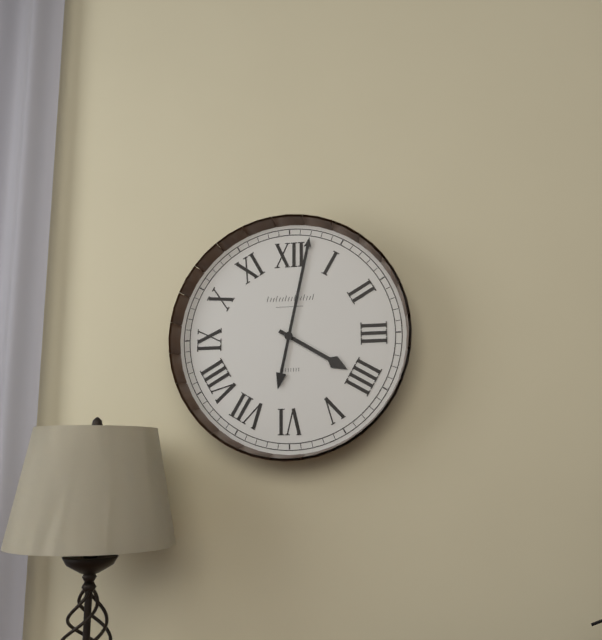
{"hour": 4, "minute": 2}
